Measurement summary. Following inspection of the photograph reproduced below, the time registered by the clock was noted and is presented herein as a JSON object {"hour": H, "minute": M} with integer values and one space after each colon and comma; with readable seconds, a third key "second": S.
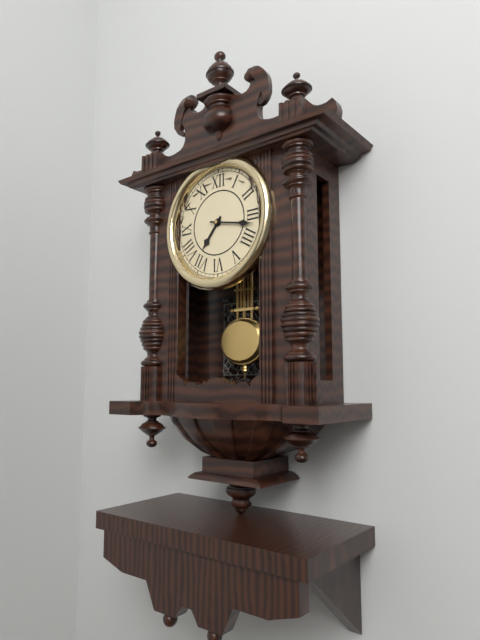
{"hour": 7, "minute": 17}
